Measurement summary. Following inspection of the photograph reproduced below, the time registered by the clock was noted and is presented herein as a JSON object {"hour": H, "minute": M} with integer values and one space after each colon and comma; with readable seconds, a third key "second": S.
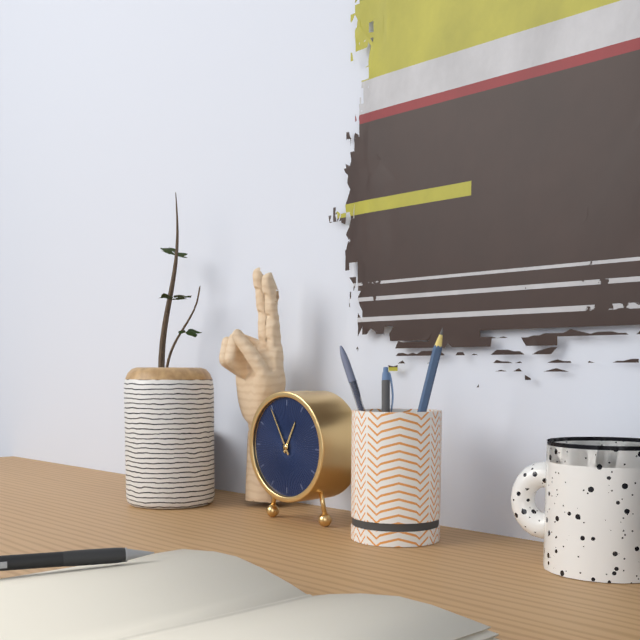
{"hour": 12, "minute": 55}
